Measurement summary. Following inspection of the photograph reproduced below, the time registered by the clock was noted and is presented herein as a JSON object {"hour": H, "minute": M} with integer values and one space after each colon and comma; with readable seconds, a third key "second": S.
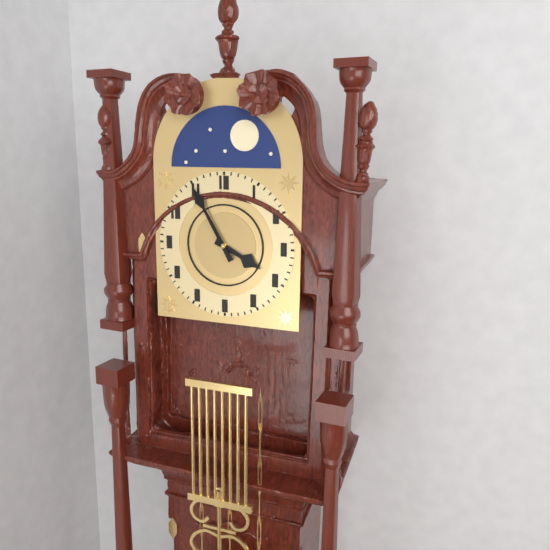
{"hour": 3, "minute": 55}
